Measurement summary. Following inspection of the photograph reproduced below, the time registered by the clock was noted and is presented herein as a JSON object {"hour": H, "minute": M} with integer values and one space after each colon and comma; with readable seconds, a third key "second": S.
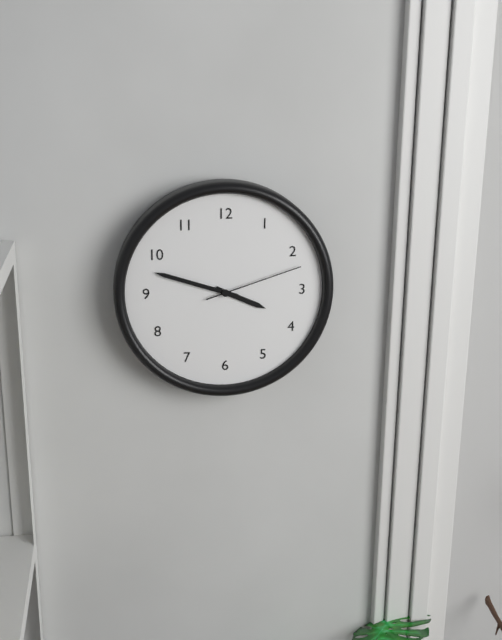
{"hour": 3, "minute": 48, "second": 12}
